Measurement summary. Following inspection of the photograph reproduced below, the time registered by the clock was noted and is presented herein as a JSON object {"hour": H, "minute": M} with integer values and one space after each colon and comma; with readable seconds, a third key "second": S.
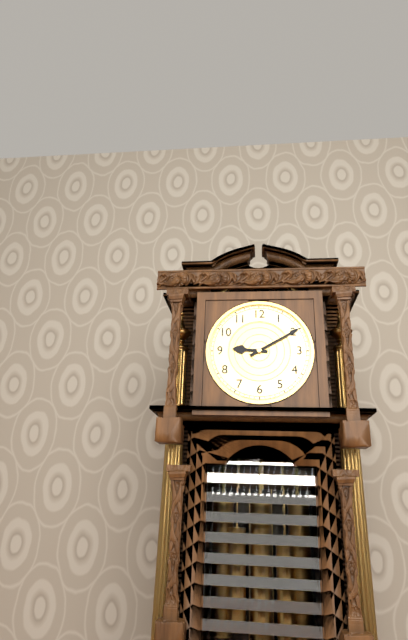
{"hour": 9, "minute": 10}
